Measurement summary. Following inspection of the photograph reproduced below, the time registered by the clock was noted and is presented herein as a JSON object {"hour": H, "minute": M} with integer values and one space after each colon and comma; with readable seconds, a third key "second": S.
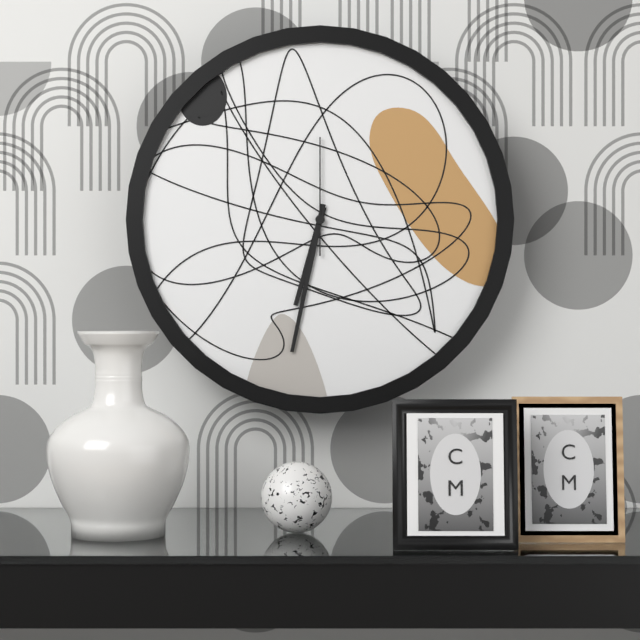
{"hour": 6, "minute": 32, "second": 0}
